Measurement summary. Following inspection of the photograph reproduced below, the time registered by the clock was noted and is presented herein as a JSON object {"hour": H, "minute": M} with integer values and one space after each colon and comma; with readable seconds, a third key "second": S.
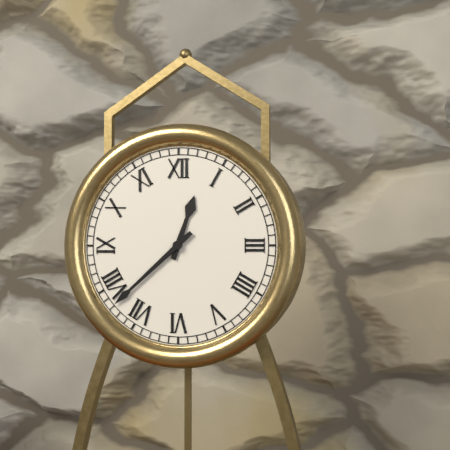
{"hour": 12, "minute": 38}
